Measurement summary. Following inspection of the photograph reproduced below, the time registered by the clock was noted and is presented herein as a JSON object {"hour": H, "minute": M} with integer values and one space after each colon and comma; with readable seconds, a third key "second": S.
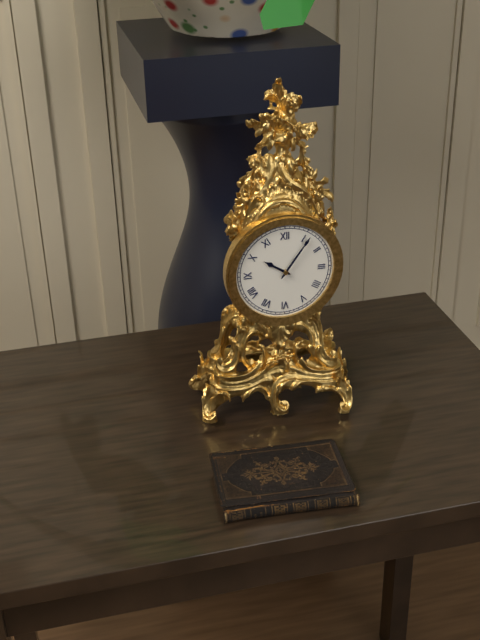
{"hour": 10, "minute": 6}
